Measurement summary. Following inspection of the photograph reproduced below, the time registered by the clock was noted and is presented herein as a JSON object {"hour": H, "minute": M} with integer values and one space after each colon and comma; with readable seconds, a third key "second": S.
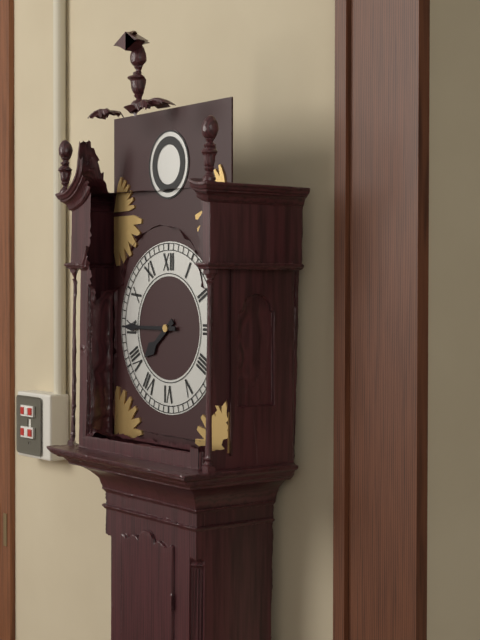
{"hour": 7, "minute": 45}
